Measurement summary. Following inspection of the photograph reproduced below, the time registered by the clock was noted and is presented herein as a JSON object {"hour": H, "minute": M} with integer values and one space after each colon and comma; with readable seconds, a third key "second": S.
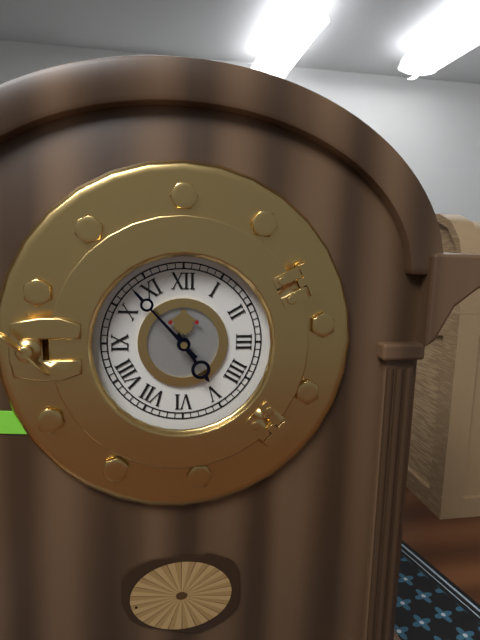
{"hour": 4, "minute": 53}
